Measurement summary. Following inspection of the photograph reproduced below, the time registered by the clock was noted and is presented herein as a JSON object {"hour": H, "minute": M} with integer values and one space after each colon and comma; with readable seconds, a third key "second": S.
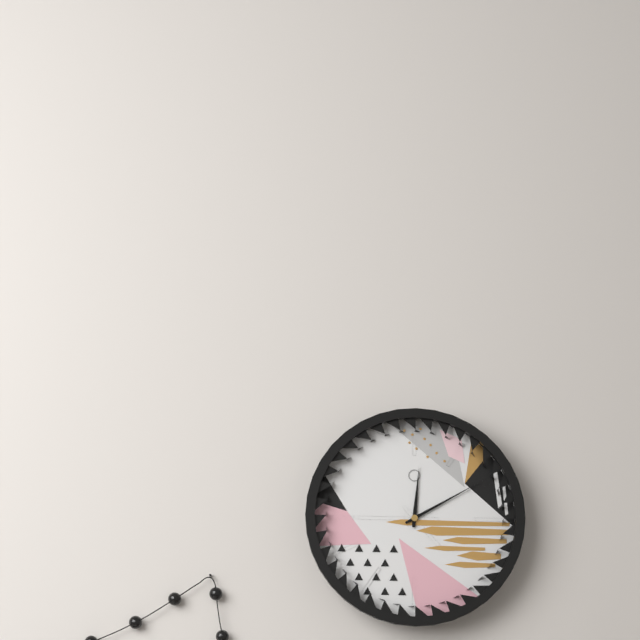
{"hour": 12, "minute": 10}
